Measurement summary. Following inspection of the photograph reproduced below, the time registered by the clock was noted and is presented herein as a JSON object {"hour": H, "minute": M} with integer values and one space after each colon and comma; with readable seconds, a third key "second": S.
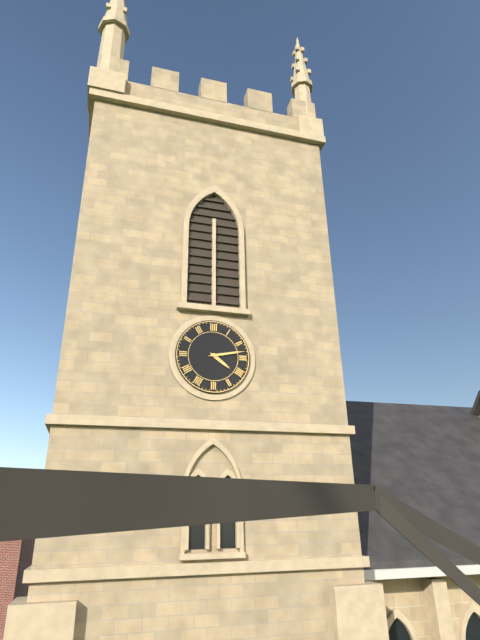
{"hour": 4, "minute": 13}
